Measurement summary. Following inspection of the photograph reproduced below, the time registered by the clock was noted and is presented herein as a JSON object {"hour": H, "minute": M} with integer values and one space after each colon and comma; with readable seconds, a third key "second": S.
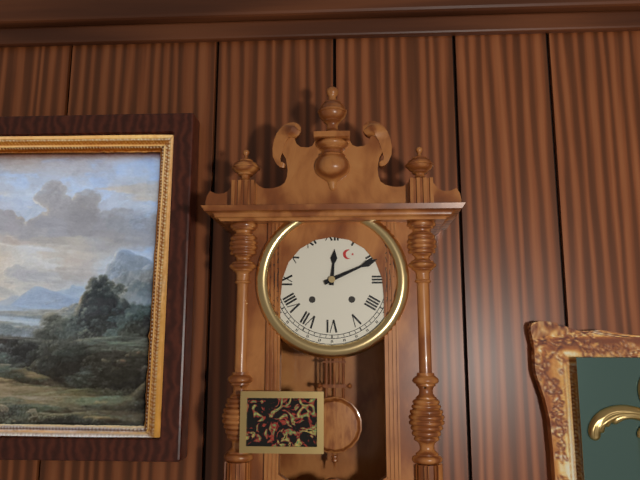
{"hour": 12, "minute": 11}
